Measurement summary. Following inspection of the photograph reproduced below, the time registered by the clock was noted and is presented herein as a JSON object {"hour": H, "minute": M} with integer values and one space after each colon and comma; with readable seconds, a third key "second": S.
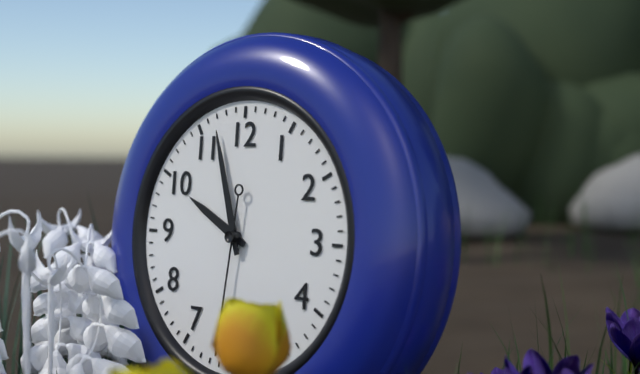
{"hour": 9, "minute": 57, "second": 31}
